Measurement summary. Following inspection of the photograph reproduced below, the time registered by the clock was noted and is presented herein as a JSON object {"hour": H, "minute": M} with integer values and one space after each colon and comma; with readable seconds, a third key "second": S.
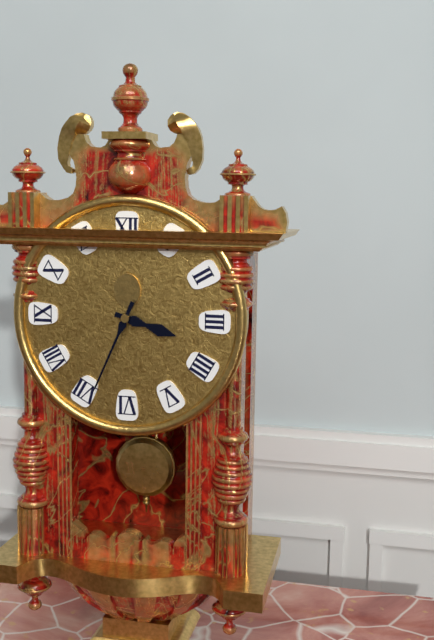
{"hour": 3, "minute": 34}
